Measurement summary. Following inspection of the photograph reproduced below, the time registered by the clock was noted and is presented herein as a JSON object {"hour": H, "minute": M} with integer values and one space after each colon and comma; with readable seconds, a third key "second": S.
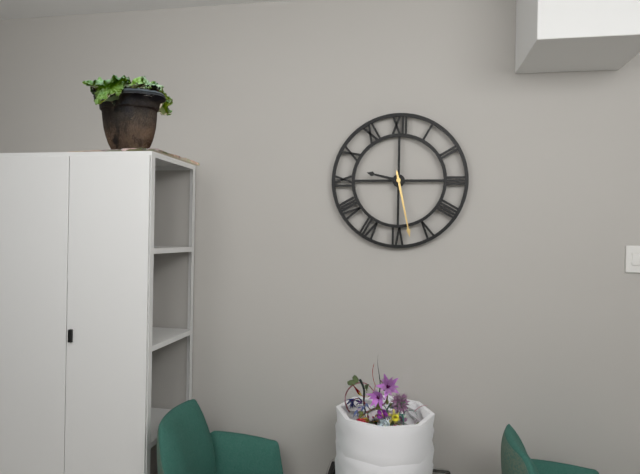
{"hour": 9, "minute": 28}
